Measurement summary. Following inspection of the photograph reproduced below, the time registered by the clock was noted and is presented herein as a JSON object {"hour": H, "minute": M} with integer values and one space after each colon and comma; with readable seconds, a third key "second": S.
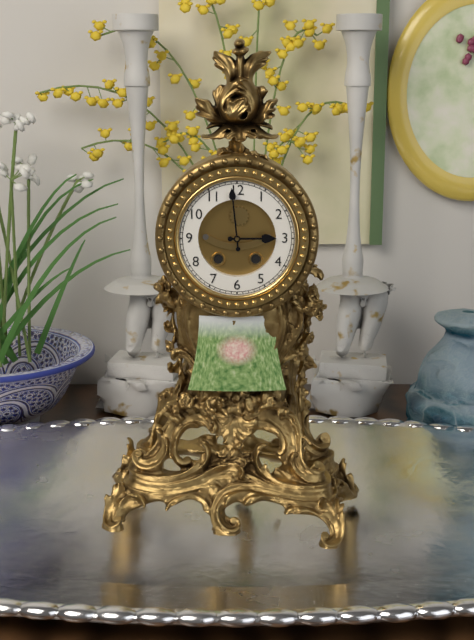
{"hour": 2, "minute": 59}
